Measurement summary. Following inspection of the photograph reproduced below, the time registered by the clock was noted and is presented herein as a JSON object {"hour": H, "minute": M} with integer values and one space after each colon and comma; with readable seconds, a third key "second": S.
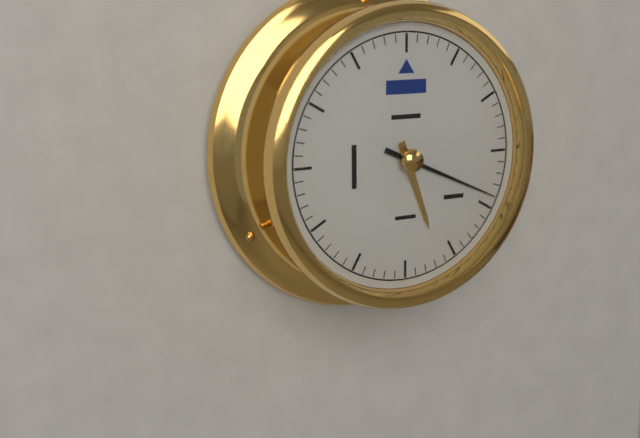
{"hour": 5, "minute": 19}
